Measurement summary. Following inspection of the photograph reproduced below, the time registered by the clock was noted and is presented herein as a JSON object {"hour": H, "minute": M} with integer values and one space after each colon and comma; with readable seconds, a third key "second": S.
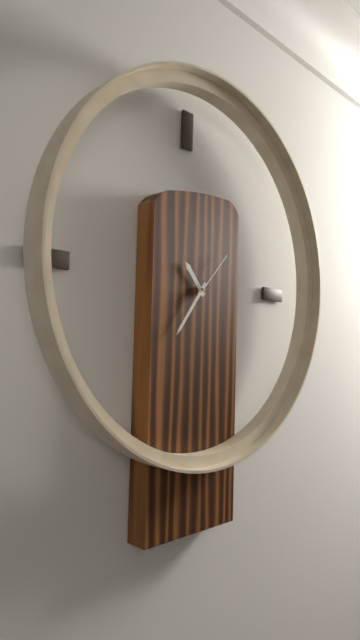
{"hour": 10, "minute": 36, "second": 7}
